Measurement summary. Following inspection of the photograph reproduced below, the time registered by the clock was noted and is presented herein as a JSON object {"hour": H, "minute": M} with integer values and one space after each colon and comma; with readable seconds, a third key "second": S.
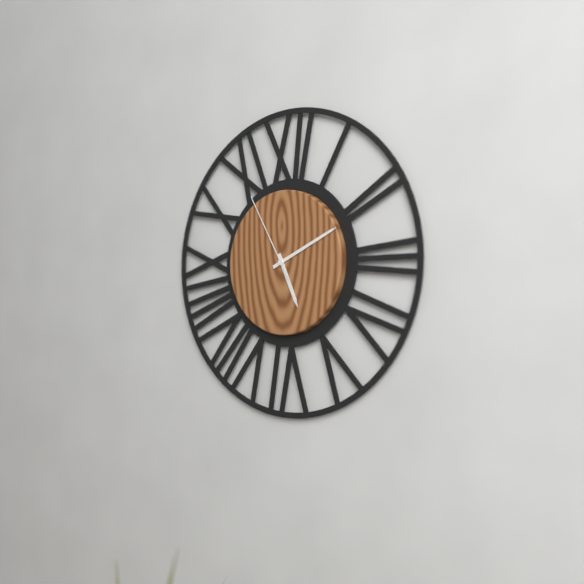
{"hour": 5, "minute": 11, "second": 55}
